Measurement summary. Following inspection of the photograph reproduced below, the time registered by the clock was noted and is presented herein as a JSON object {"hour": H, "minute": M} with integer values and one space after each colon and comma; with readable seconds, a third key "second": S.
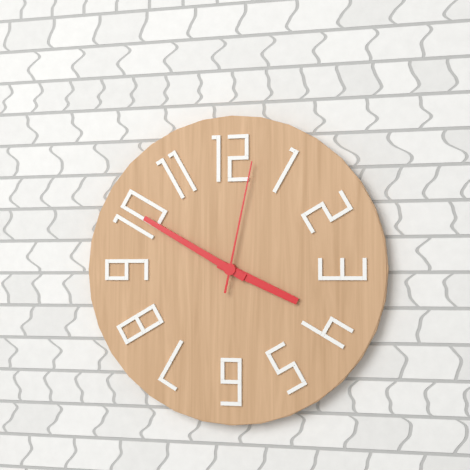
{"hour": 3, "minute": 50, "second": 2}
